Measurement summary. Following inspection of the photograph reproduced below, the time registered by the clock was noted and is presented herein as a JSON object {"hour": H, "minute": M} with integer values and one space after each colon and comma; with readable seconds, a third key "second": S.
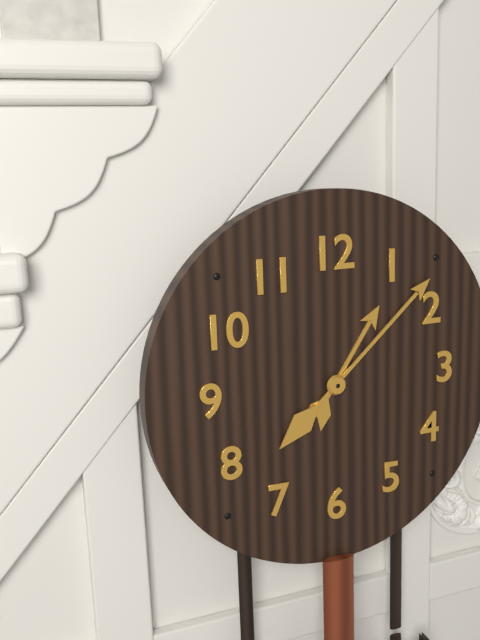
{"hour": 1, "minute": 8}
